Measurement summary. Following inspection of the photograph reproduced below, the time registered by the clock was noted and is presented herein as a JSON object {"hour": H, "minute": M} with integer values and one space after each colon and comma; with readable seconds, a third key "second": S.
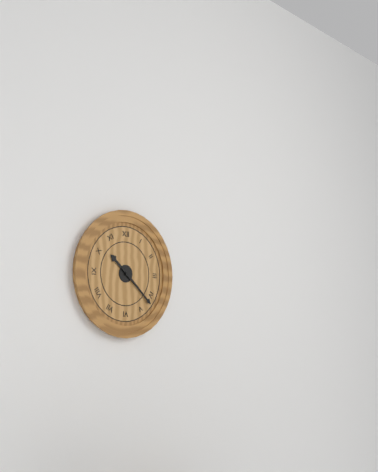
{"hour": 10, "minute": 22}
